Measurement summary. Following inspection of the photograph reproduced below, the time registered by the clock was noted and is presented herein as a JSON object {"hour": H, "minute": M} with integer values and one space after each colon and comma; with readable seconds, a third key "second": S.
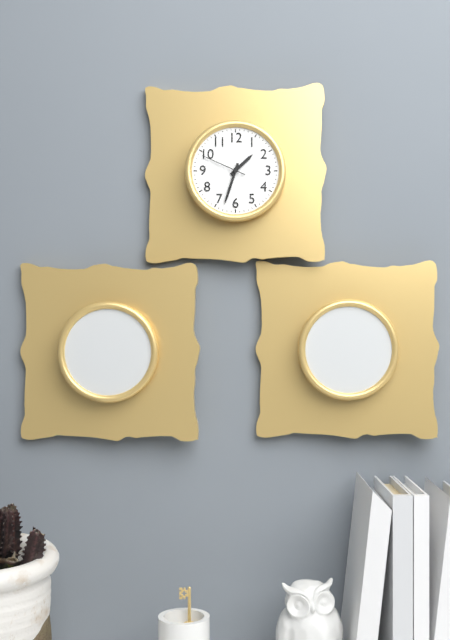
{"hour": 1, "minute": 33}
